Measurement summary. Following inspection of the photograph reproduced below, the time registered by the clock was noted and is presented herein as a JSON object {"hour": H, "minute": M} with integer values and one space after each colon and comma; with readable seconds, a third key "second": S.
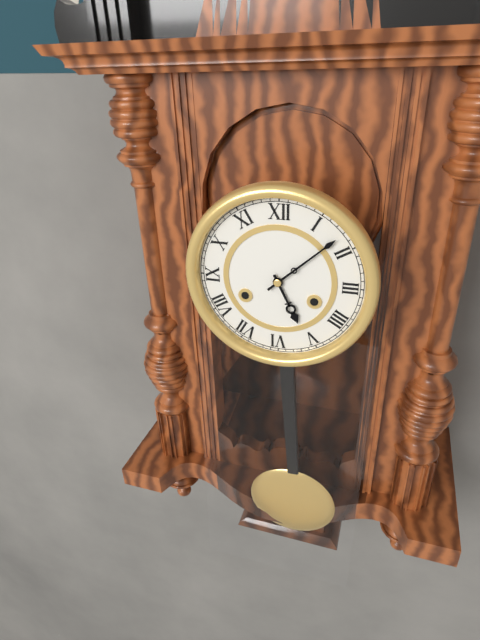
{"hour": 5, "minute": 8}
